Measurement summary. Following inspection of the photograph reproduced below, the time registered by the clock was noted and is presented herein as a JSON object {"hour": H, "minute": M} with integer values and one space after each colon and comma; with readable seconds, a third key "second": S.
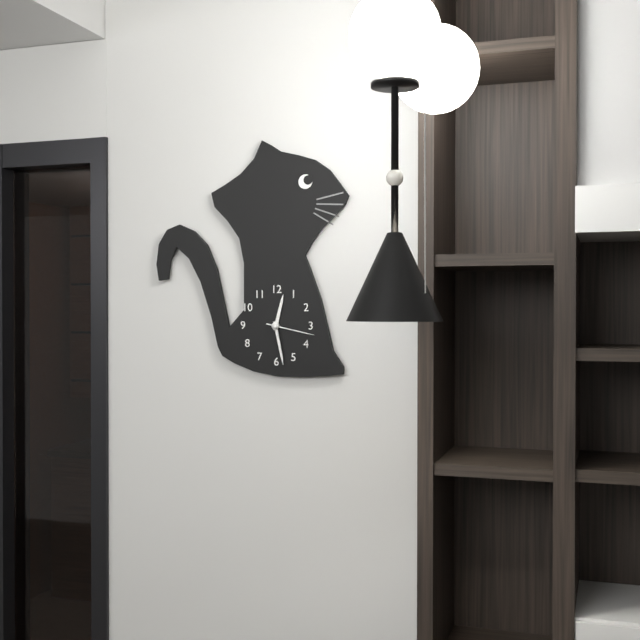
{"hour": 12, "minute": 28, "second": 17}
